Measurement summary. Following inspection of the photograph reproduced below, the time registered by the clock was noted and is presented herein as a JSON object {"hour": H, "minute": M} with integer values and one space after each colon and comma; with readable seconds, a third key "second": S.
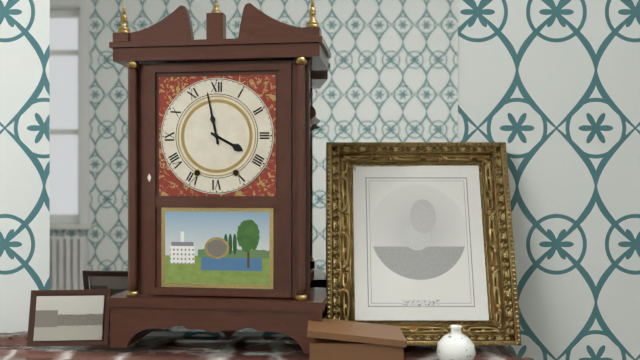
{"hour": 3, "minute": 58}
